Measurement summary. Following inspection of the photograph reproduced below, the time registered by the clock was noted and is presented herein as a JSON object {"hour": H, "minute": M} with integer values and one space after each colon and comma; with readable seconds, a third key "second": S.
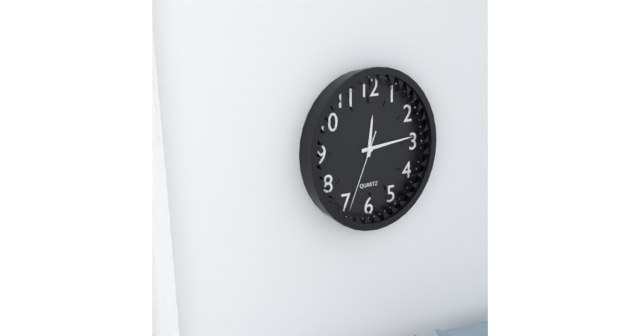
{"hour": 12, "minute": 14, "second": 34}
